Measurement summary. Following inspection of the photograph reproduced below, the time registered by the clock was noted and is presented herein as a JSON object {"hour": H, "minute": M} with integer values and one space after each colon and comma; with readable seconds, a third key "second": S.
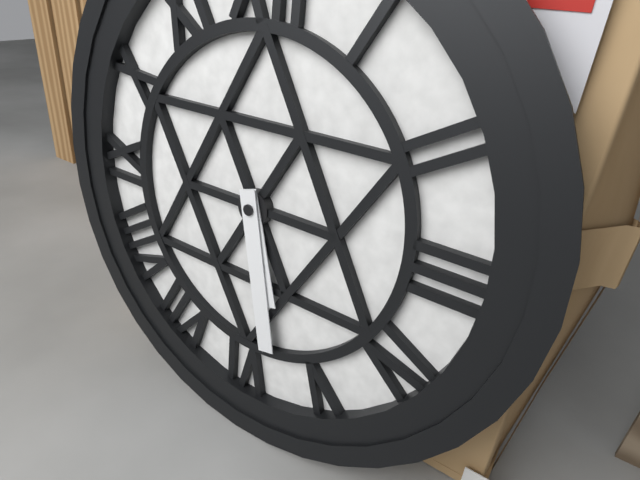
{"hour": 5, "minute": 28}
